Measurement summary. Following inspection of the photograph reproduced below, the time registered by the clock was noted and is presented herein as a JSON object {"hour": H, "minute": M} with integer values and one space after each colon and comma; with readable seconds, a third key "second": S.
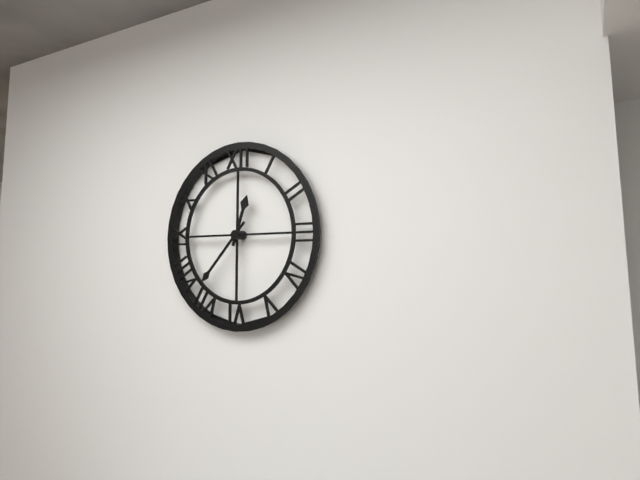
{"hour": 12, "minute": 37}
